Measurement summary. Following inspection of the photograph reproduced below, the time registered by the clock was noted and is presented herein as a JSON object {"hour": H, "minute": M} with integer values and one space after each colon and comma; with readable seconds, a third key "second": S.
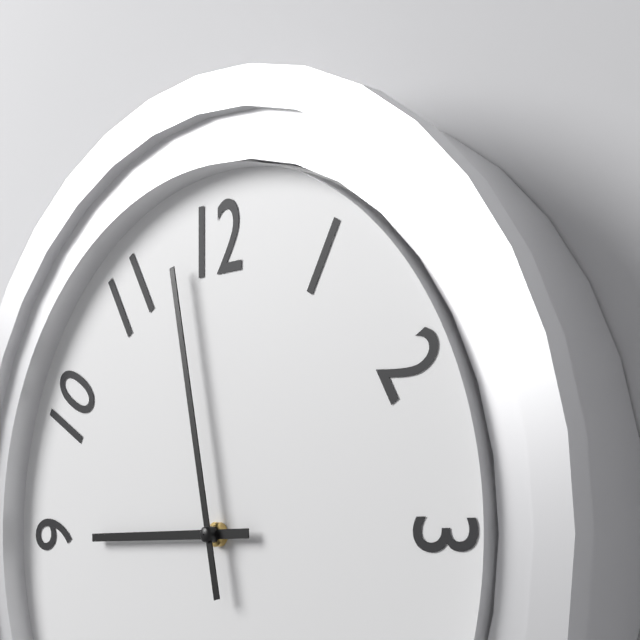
{"hour": 8, "minute": 58}
